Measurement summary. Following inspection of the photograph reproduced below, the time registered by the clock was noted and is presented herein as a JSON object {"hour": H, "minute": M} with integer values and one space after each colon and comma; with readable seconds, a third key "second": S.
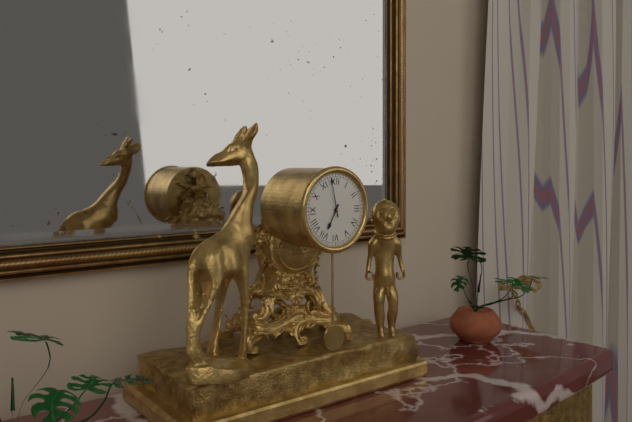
{"hour": 6, "minute": 58}
